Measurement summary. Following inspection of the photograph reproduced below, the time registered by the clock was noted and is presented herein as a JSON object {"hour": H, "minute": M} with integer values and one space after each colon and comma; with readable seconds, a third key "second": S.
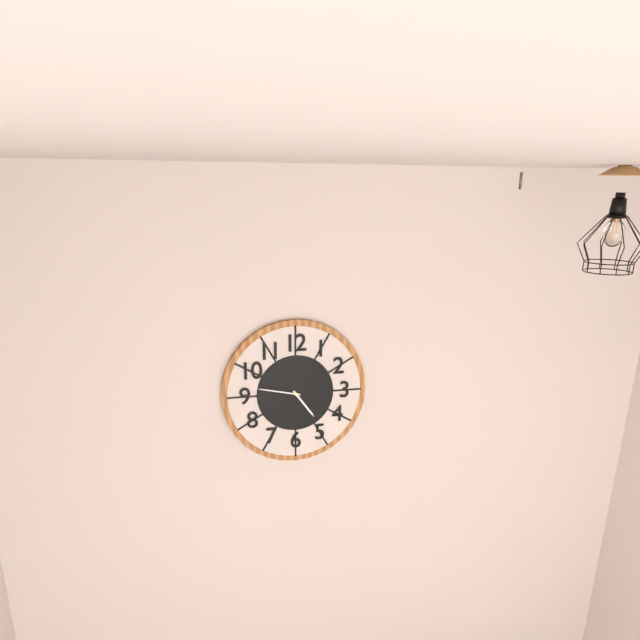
{"hour": 4, "minute": 47}
